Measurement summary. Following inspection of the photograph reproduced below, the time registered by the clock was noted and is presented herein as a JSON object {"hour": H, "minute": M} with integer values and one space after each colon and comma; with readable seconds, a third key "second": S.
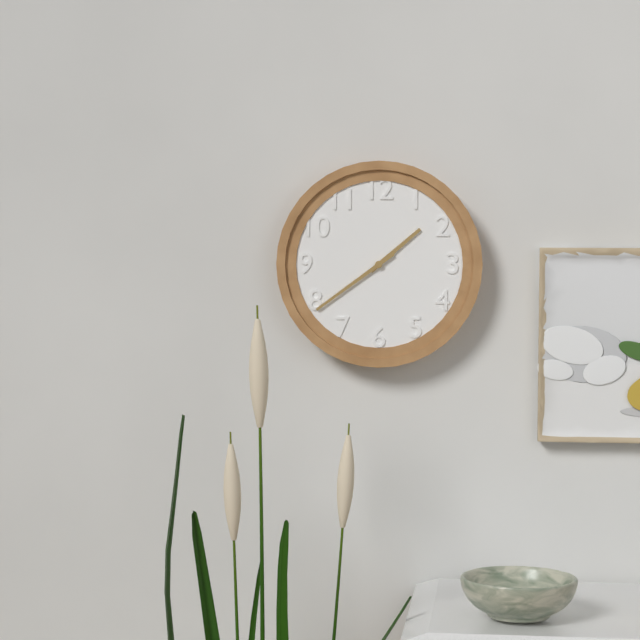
{"hour": 1, "minute": 39}
